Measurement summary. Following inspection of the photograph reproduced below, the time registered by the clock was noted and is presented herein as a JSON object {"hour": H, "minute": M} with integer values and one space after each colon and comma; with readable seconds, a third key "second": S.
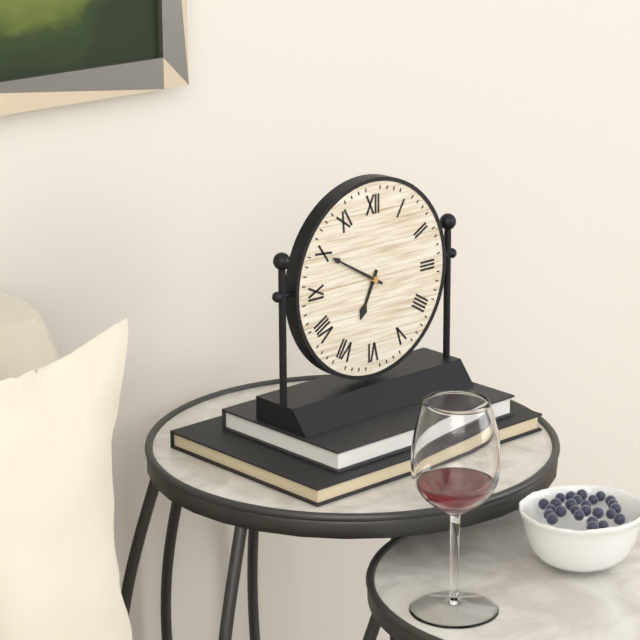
{"hour": 6, "minute": 50}
